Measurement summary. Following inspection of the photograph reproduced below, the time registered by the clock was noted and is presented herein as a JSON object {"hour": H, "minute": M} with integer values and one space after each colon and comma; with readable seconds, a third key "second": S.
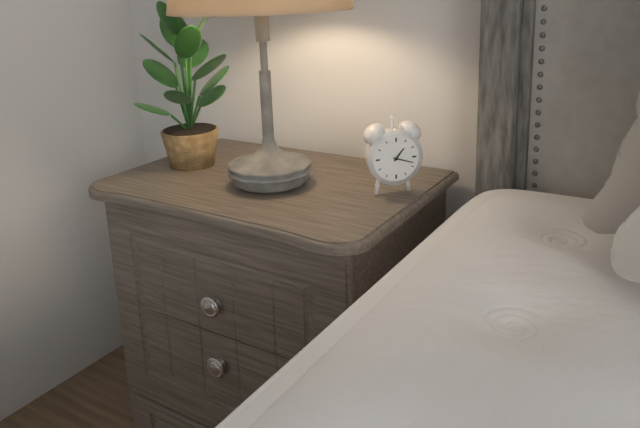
{"hour": 1, "minute": 18}
